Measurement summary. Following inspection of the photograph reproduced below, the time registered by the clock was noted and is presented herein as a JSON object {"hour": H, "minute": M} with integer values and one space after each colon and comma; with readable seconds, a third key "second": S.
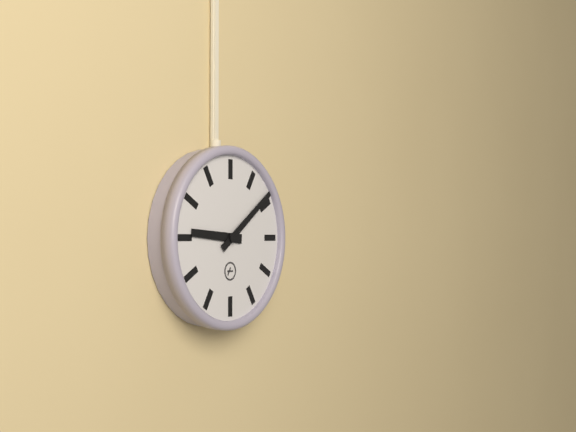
{"hour": 9, "minute": 9}
